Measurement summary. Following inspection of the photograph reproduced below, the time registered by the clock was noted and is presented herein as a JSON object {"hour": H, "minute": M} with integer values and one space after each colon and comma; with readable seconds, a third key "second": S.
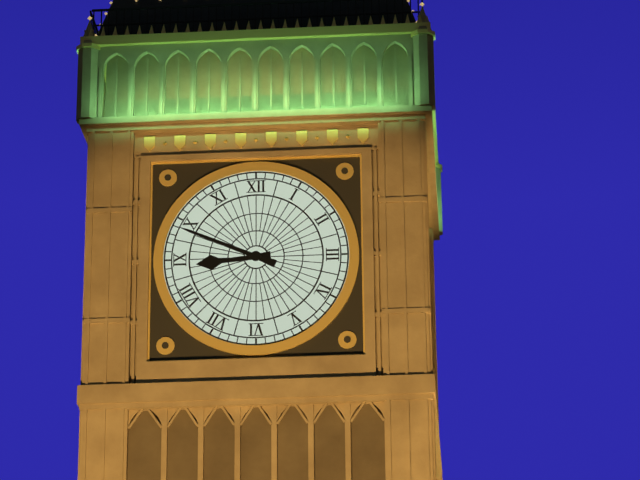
{"hour": 8, "minute": 49}
